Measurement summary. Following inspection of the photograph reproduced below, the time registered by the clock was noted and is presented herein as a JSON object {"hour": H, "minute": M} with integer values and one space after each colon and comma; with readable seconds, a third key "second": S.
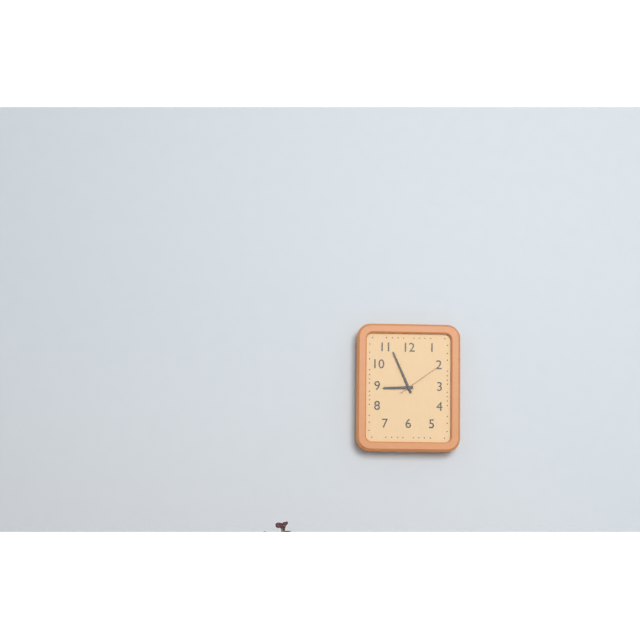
{"hour": 8, "minute": 56}
